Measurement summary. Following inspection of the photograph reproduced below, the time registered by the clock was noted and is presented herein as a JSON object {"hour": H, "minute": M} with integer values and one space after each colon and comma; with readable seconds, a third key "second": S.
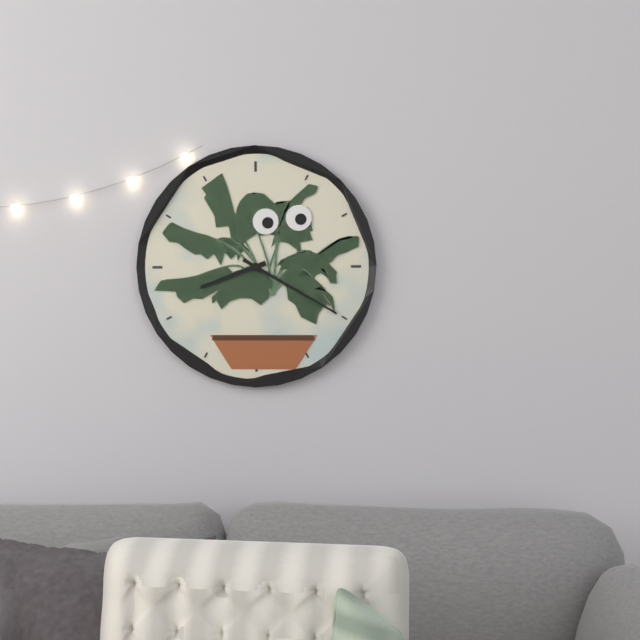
{"hour": 8, "minute": 20}
